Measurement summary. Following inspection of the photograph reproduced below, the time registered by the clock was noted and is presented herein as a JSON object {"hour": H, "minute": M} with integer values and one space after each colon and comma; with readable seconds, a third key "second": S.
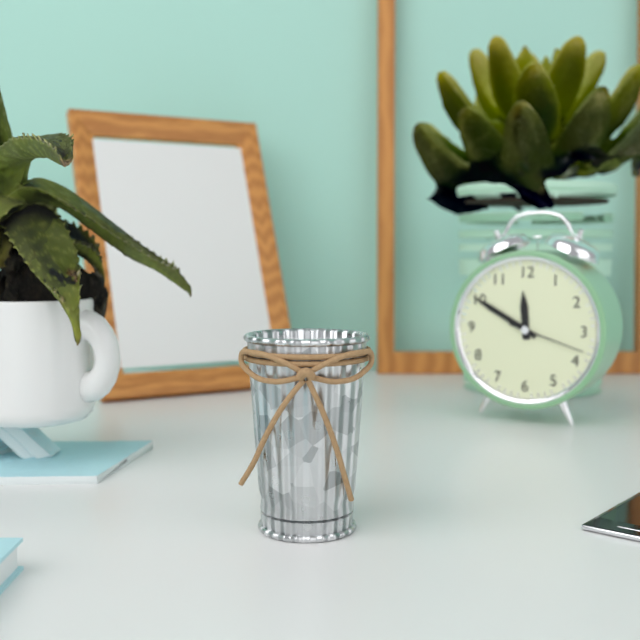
{"hour": 11, "minute": 50, "second": 18}
